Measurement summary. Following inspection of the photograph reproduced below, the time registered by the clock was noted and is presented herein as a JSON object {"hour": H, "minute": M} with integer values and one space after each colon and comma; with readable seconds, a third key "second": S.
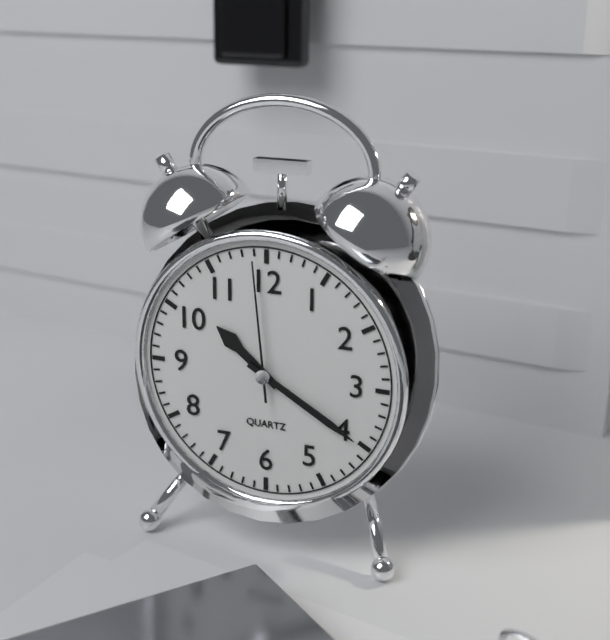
{"hour": 10, "minute": 20, "second": 59}
